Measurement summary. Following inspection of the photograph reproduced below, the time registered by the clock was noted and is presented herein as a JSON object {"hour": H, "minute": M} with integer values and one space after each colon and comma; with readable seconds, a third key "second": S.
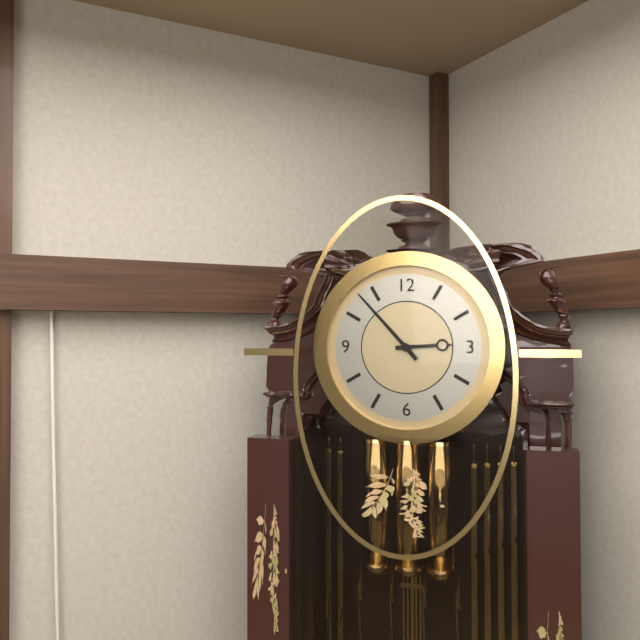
{"hour": 2, "minute": 53}
